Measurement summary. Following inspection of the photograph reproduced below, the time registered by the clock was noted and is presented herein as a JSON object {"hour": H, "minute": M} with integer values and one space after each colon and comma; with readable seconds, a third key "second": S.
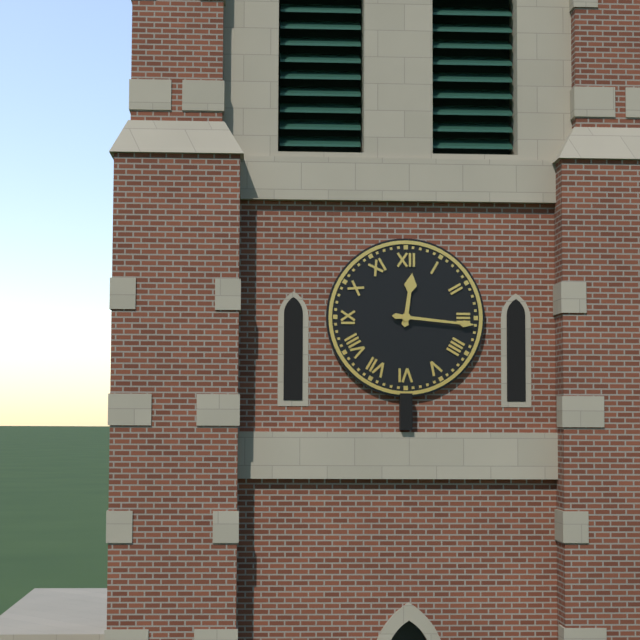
{"hour": 12, "minute": 16}
